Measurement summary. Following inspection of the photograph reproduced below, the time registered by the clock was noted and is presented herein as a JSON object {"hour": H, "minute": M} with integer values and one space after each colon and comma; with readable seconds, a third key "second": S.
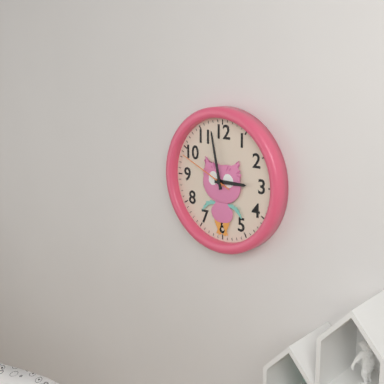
{"hour": 2, "minute": 58, "second": 49}
